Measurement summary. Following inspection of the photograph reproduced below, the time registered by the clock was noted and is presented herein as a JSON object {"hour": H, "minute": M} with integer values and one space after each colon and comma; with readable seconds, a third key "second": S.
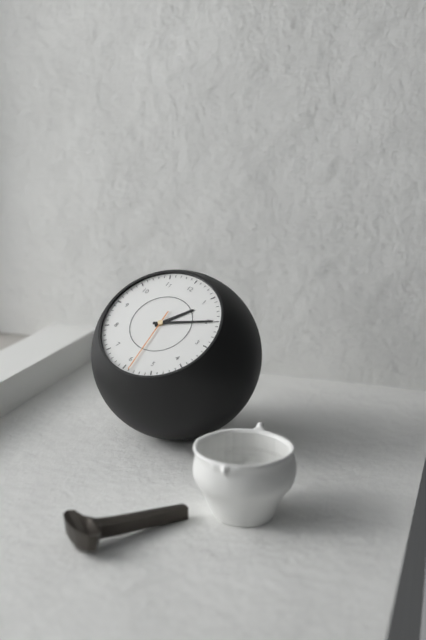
{"hour": 1, "minute": 10, "second": 29}
